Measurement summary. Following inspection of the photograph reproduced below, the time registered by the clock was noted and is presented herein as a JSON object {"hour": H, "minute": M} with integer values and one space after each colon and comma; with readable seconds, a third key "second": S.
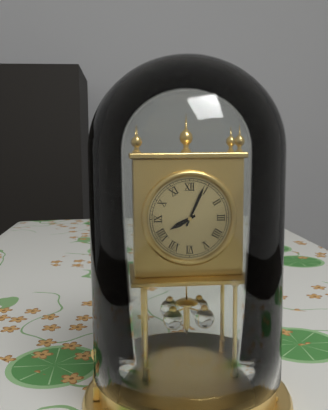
{"hour": 8, "minute": 4}
